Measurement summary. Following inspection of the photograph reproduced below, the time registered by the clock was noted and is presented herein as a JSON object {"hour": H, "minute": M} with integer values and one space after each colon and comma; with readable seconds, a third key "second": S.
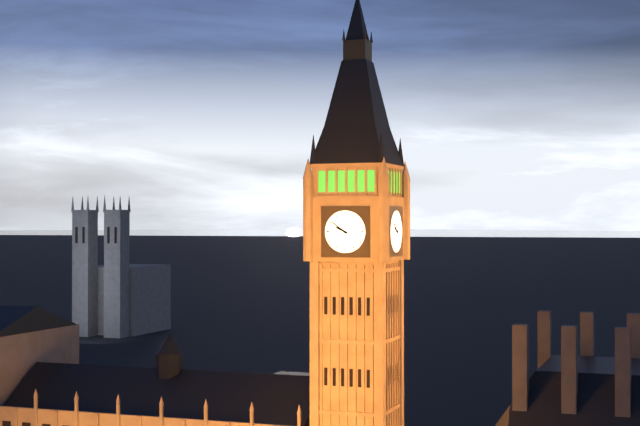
{"hour": 9, "minute": 51}
